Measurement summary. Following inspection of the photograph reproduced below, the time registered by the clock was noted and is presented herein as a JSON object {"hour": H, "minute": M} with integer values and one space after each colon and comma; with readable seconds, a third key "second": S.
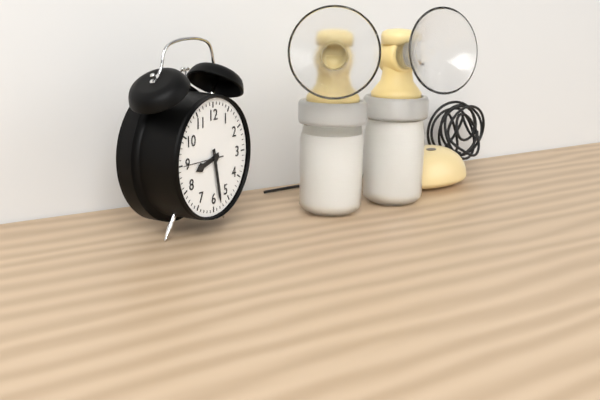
{"hour": 8, "minute": 28}
